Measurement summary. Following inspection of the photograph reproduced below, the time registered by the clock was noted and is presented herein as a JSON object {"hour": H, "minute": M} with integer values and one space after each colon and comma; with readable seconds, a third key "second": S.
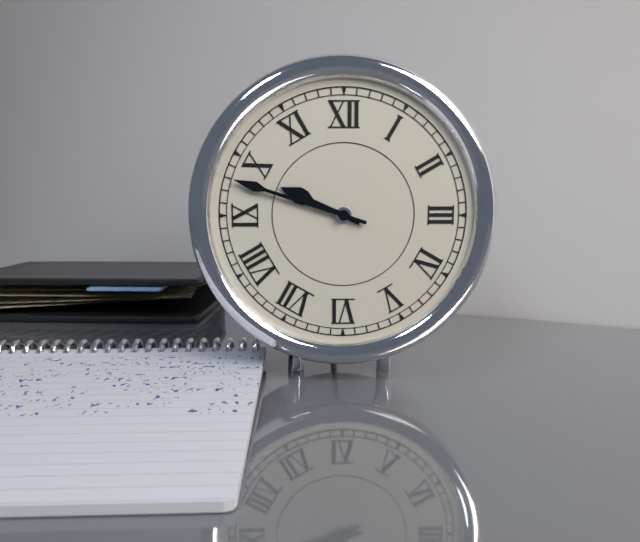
{"hour": 9, "minute": 48}
